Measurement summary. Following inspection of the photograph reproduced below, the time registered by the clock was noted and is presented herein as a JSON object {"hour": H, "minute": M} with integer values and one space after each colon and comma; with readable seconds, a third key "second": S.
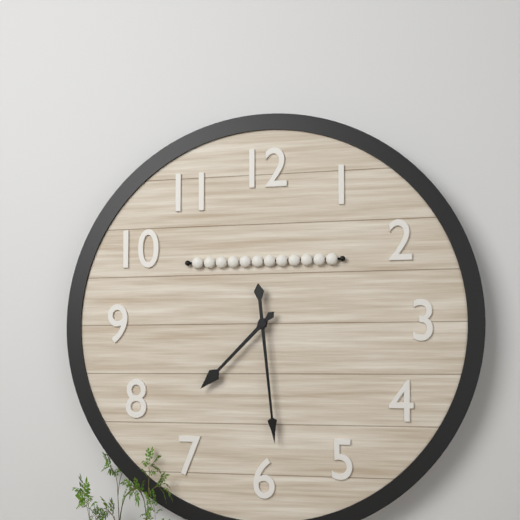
{"hour": 7, "minute": 29}
